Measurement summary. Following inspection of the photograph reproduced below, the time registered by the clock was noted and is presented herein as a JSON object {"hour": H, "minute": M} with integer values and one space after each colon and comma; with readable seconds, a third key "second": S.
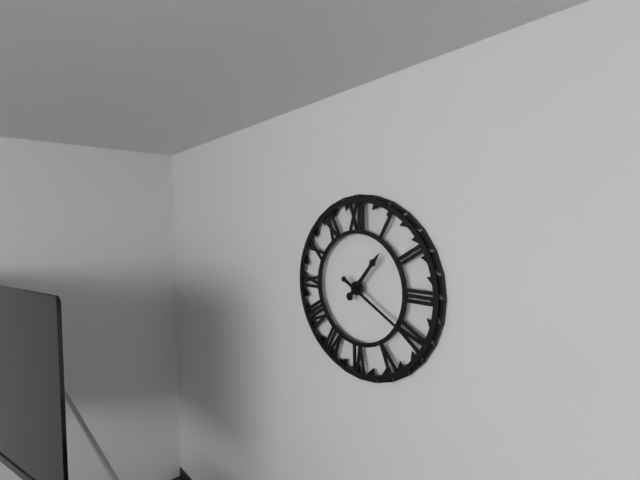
{"hour": 1, "minute": 20}
